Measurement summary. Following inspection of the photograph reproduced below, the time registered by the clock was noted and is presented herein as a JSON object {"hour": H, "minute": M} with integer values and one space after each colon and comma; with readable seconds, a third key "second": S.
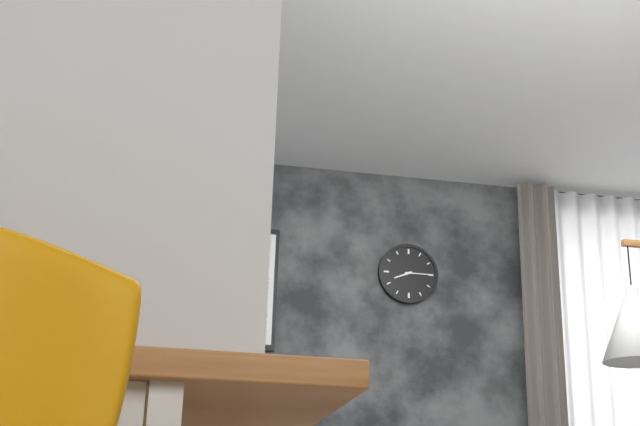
{"hour": 8, "minute": 15}
